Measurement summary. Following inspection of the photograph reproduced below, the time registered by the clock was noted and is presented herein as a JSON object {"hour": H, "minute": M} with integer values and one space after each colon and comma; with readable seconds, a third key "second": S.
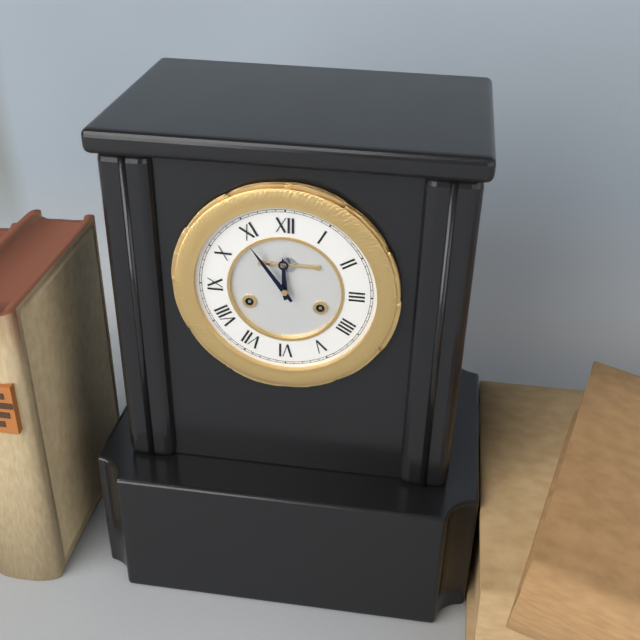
{"hour": 11, "minute": 54}
